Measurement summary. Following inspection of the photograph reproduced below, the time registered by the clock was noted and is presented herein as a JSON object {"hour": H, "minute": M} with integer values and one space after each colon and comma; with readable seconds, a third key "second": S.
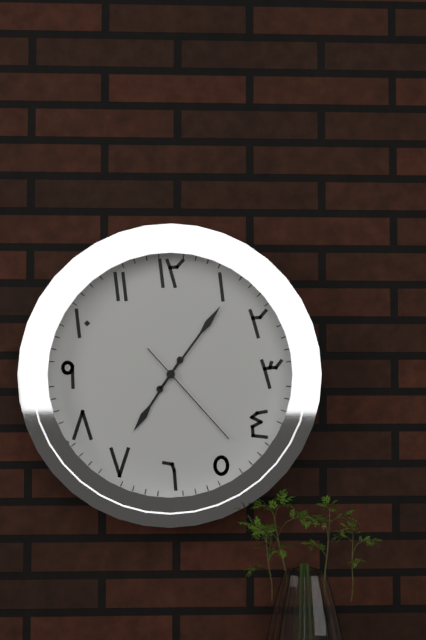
{"hour": 7, "minute": 6, "second": 23}
